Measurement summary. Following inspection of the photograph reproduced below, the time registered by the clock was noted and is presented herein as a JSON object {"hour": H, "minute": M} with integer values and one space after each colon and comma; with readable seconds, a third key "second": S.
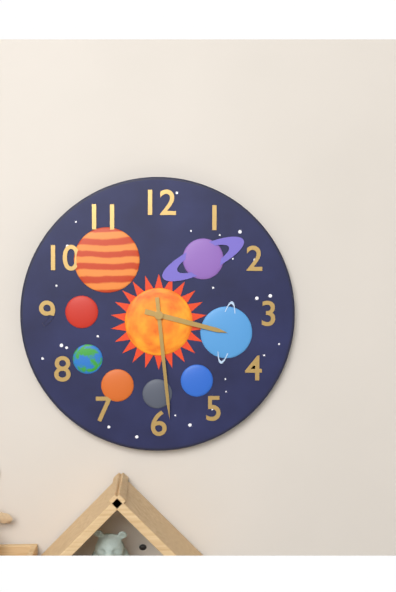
{"hour": 3, "minute": 29}
